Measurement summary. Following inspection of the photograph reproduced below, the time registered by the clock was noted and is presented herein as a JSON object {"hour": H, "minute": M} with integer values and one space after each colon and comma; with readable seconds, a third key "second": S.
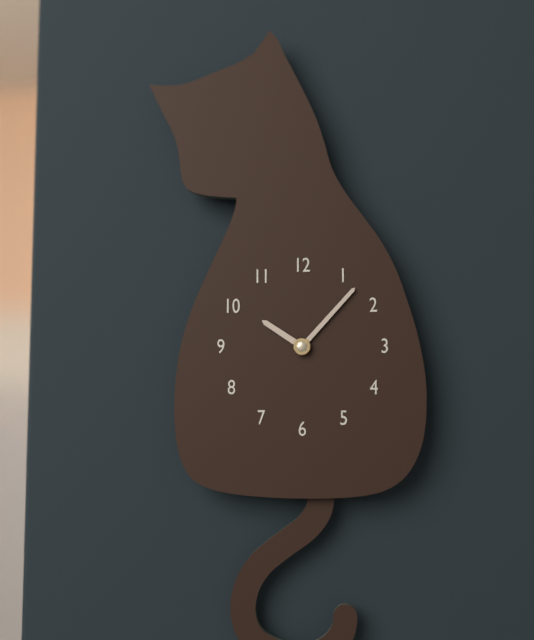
{"hour": 10, "minute": 7}
